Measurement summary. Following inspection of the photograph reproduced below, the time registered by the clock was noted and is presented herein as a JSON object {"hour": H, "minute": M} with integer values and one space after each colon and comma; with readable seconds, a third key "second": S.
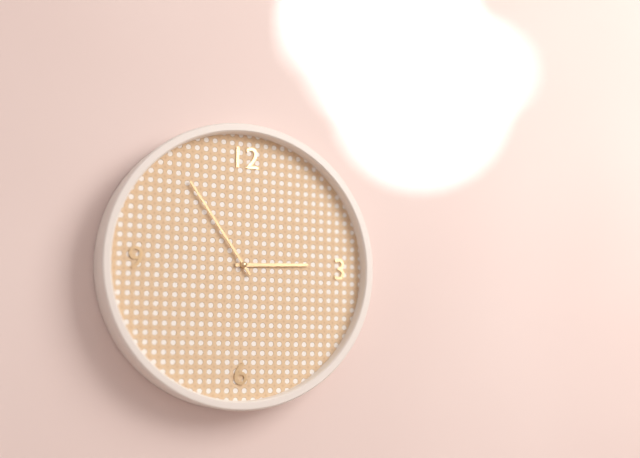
{"hour": 2, "minute": 54}
